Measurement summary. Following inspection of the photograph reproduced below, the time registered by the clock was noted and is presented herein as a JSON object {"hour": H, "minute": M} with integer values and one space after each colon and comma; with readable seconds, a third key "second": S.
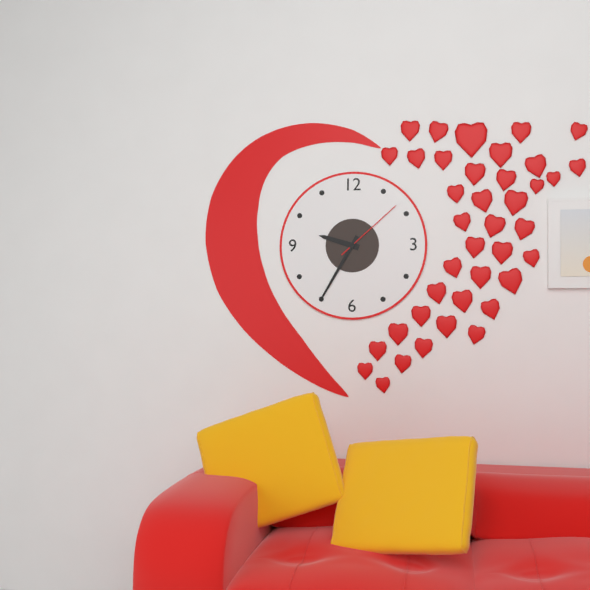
{"hour": 9, "minute": 35, "second": 8}
